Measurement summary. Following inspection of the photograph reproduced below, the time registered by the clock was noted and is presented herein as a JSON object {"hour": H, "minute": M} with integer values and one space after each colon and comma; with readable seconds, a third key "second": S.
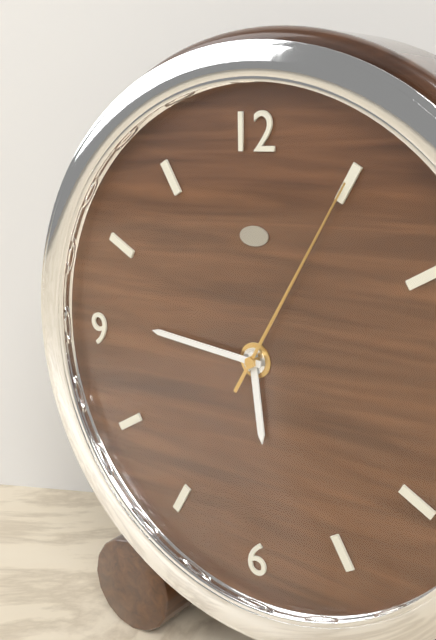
{"hour": 5, "minute": 46, "second": 5}
